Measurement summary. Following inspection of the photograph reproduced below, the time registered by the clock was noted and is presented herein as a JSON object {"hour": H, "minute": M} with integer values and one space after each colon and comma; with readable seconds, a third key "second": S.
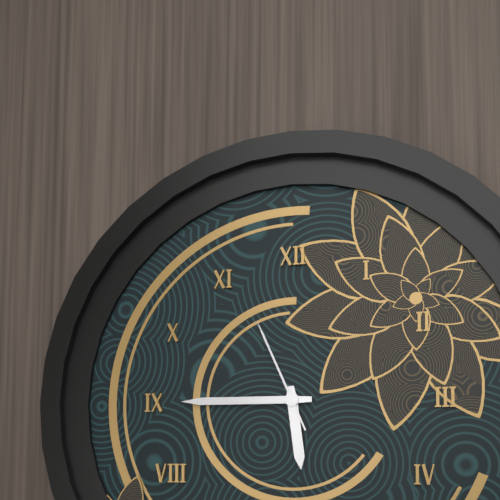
{"hour": 5, "minute": 45, "second": 56}
